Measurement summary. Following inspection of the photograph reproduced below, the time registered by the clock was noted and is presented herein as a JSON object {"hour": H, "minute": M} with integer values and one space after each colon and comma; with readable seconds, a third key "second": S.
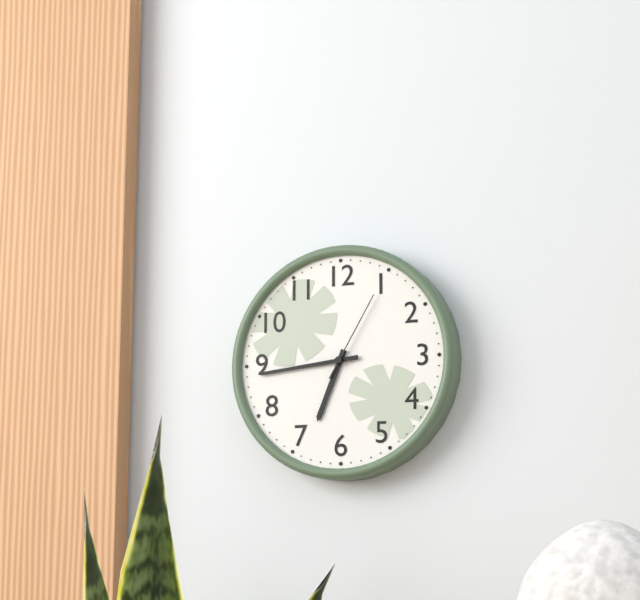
{"hour": 6, "minute": 44, "second": 5}
